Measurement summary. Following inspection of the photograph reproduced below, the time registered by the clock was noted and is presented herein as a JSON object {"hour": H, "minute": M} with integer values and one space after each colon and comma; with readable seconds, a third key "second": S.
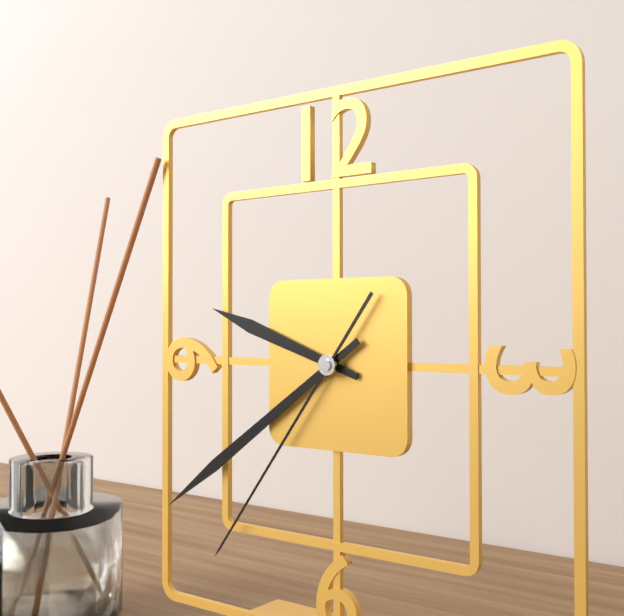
{"hour": 9, "minute": 39, "second": 36}
